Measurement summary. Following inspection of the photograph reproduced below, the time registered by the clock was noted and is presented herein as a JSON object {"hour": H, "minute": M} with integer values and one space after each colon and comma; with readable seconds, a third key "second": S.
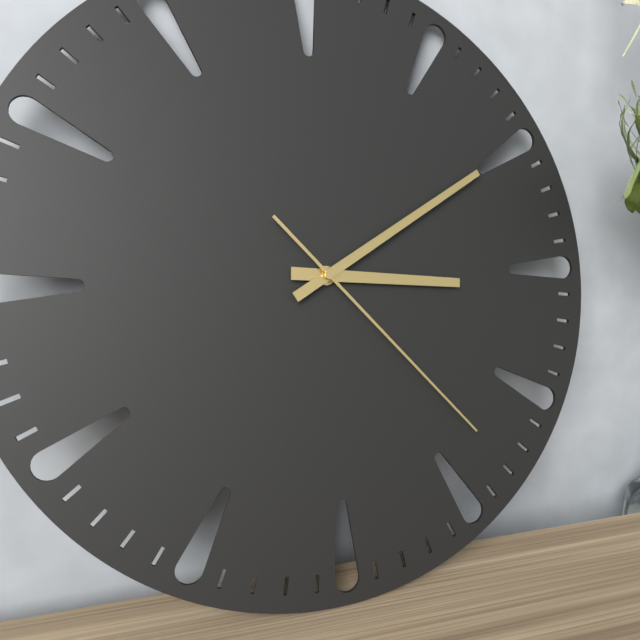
{"hour": 3, "minute": 10, "second": 23}
